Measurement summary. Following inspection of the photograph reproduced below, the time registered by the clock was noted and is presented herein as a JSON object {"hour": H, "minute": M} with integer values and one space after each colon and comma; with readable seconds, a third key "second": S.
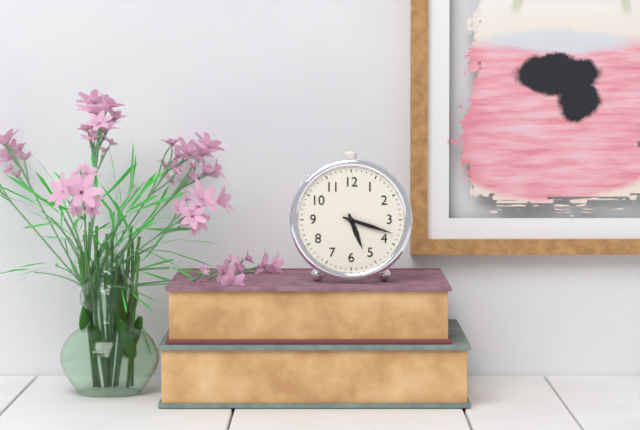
{"hour": 5, "minute": 18}
